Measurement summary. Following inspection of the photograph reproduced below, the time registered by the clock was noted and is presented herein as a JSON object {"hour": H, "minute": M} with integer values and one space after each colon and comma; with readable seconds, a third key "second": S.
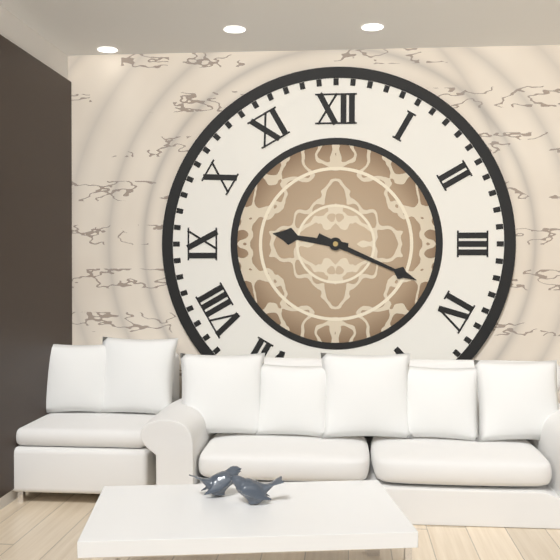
{"hour": 9, "minute": 19}
